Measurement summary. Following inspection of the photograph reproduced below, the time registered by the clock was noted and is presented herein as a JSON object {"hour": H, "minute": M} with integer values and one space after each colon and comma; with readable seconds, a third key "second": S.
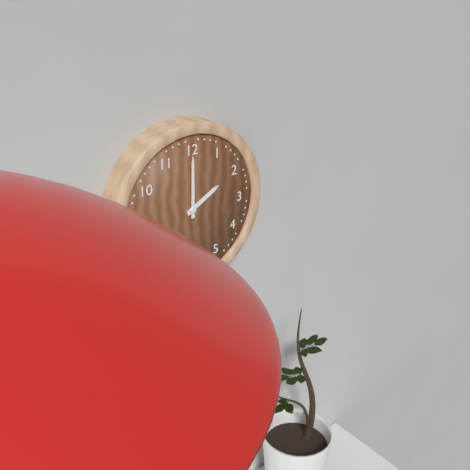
{"hour": 2, "minute": 0}
